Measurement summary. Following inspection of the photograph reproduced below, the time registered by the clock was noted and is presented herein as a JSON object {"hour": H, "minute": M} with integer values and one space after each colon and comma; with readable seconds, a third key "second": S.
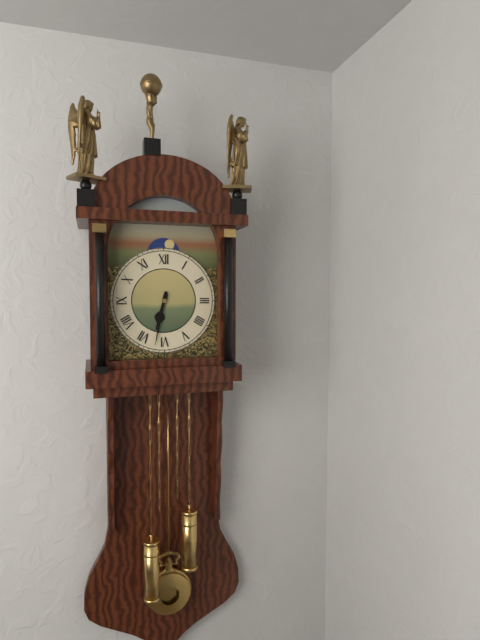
{"hour": 6, "minute": 32}
